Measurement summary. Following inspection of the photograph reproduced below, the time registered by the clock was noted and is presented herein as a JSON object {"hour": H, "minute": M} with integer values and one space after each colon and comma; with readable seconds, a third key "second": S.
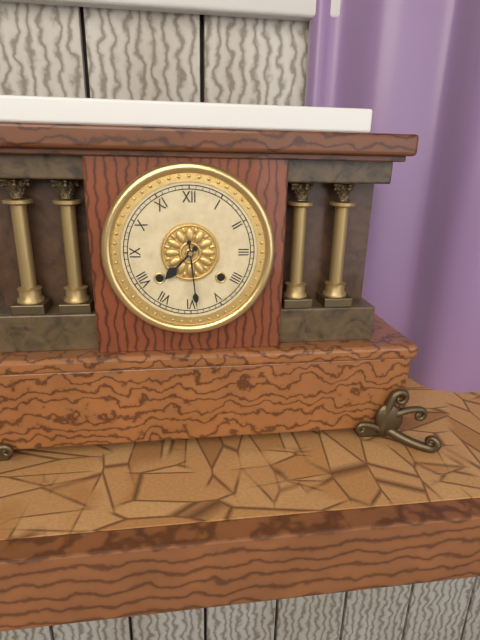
{"hour": 7, "minute": 29}
